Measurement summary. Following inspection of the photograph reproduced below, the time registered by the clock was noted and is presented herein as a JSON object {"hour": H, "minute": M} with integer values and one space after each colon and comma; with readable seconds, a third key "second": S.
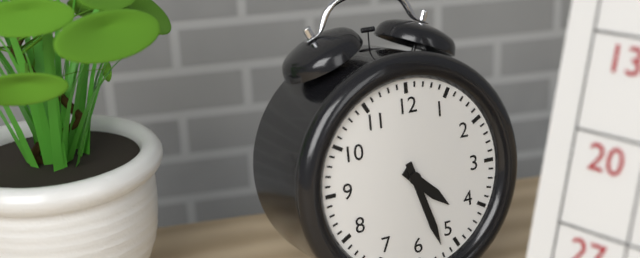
{"hour": 4, "minute": 27}
